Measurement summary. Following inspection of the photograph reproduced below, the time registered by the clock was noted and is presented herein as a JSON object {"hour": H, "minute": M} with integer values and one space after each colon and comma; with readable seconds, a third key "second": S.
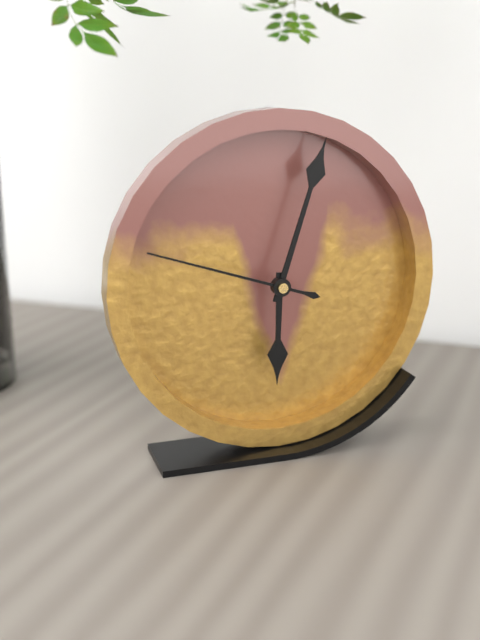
{"hour": 6, "minute": 3, "second": 48}
